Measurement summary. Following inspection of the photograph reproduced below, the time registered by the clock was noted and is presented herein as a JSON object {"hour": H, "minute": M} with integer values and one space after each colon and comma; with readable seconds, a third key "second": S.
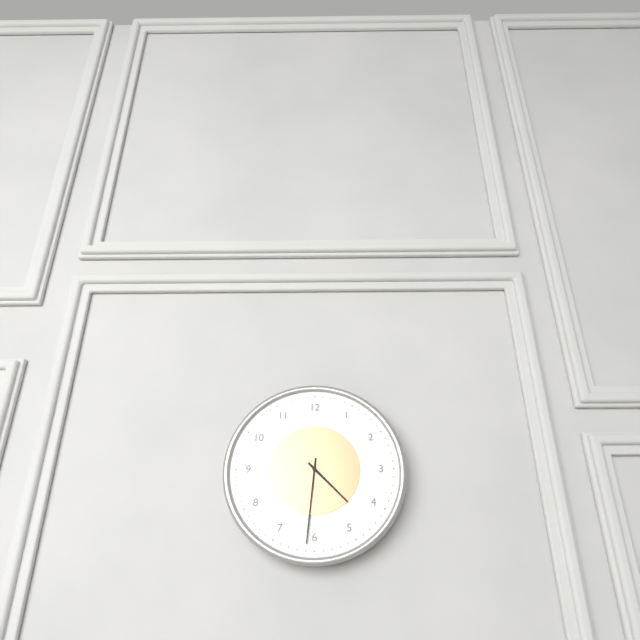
{"hour": 4, "minute": 31}
